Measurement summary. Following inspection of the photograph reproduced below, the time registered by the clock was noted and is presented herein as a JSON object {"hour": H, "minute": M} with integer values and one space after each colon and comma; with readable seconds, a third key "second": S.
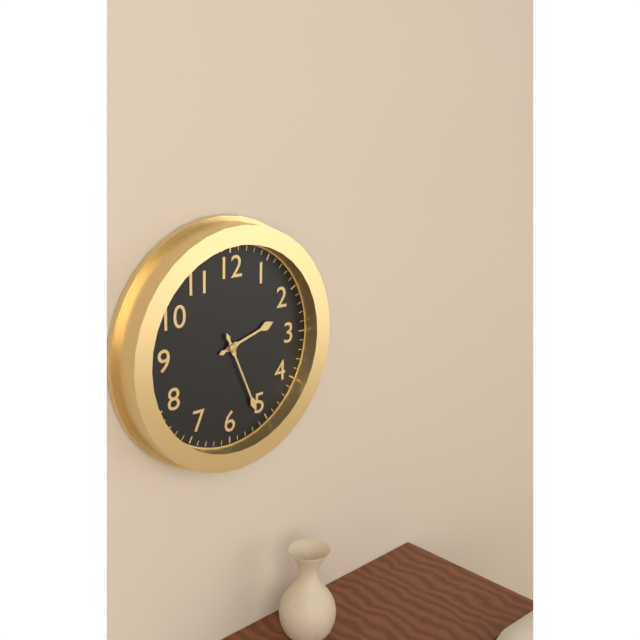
{"hour": 2, "minute": 26}
